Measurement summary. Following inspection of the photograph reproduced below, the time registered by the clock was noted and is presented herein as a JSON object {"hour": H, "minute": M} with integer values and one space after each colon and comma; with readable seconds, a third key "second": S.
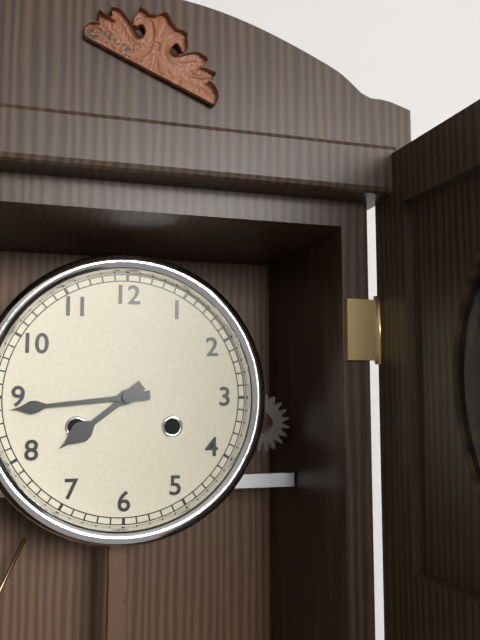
{"hour": 7, "minute": 44}
